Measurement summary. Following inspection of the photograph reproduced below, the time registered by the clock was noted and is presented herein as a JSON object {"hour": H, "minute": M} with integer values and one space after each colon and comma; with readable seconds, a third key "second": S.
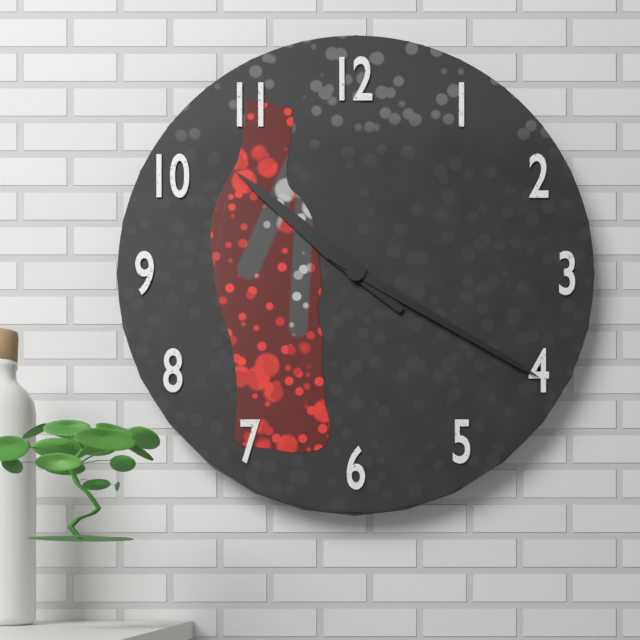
{"hour": 10, "minute": 20}
